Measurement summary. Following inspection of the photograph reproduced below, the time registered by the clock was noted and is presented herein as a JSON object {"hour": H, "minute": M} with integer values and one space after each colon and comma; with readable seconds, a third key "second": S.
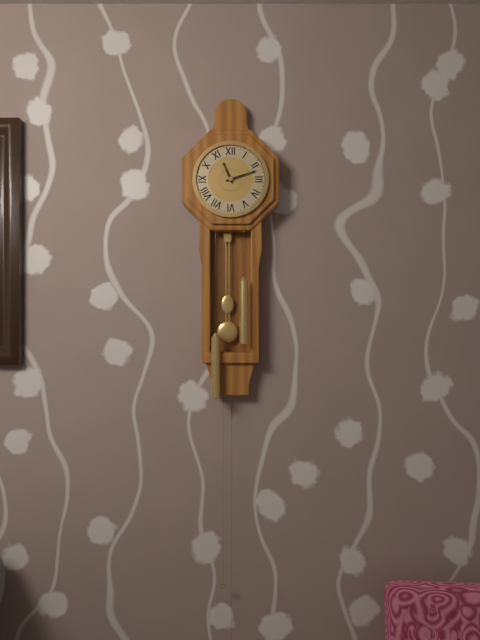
{"hour": 11, "minute": 12}
